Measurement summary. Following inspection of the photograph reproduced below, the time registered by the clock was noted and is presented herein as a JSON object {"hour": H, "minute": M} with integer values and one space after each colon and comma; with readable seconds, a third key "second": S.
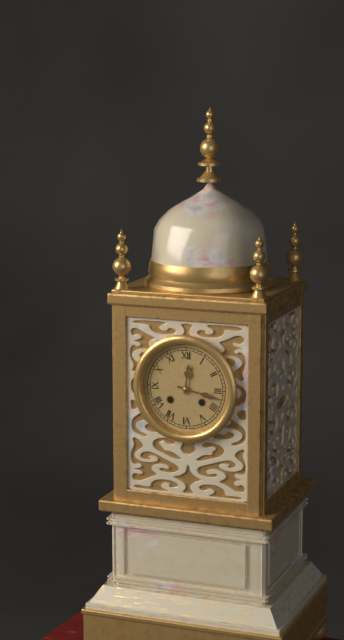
{"hour": 12, "minute": 17}
